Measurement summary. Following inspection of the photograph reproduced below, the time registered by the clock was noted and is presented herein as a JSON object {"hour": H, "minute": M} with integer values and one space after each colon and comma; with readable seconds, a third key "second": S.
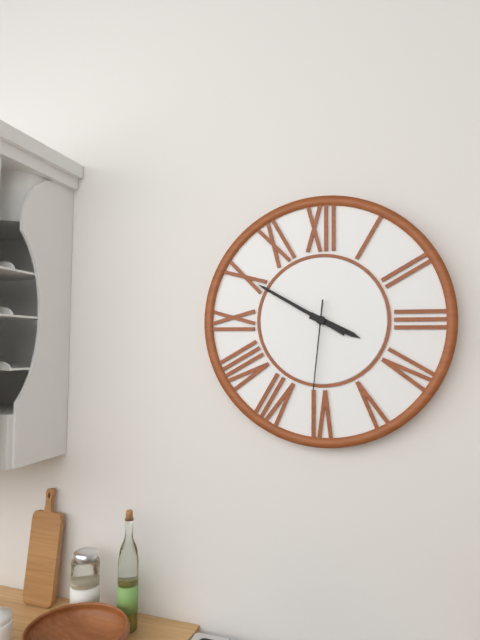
{"hour": 3, "minute": 50, "second": 31}
